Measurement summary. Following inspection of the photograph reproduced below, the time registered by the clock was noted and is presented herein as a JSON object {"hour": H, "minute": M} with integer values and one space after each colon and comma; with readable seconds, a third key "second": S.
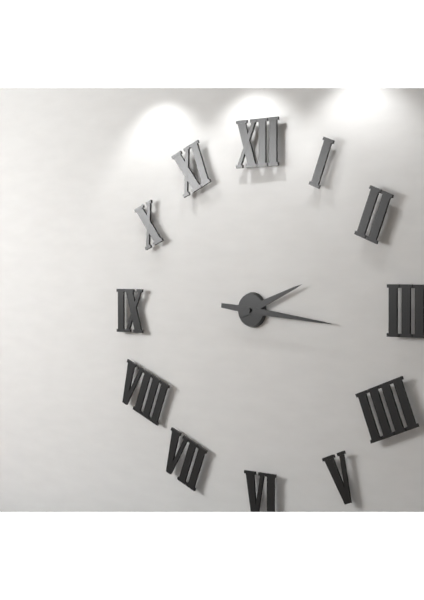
{"hour": 2, "minute": 16}
